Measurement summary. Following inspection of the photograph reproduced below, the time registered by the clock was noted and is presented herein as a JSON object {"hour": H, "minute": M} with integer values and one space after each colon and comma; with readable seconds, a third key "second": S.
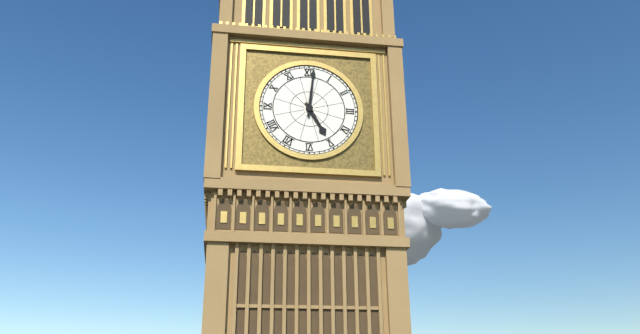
{"hour": 5, "minute": 1}
